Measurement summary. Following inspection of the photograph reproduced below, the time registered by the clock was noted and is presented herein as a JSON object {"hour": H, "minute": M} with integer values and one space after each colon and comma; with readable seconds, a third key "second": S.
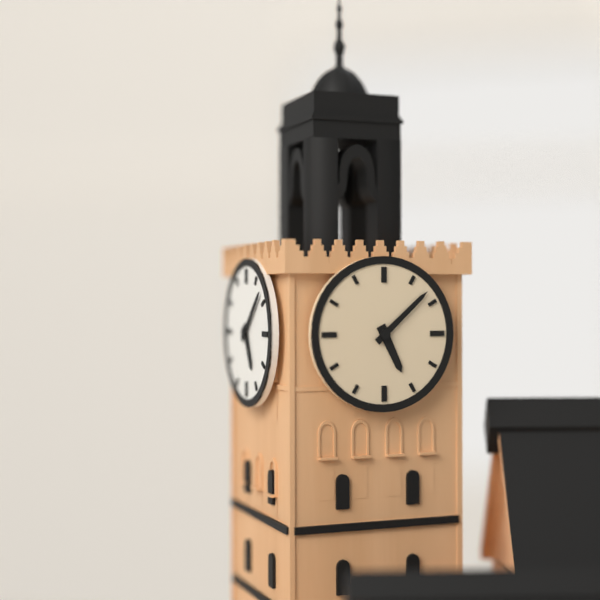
{"hour": 5, "minute": 8}
